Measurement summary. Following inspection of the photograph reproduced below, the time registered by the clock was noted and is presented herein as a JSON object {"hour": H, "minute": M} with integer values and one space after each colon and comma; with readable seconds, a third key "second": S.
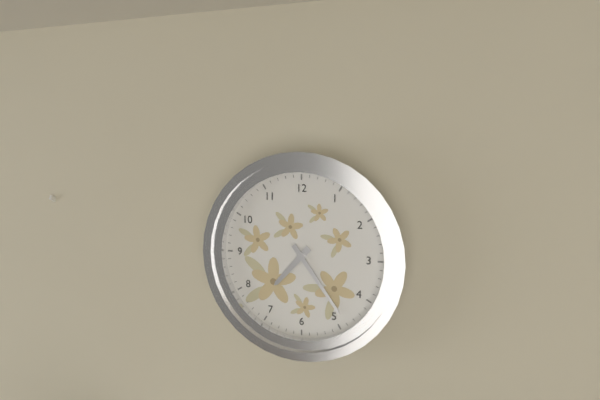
{"hour": 7, "minute": 24}
